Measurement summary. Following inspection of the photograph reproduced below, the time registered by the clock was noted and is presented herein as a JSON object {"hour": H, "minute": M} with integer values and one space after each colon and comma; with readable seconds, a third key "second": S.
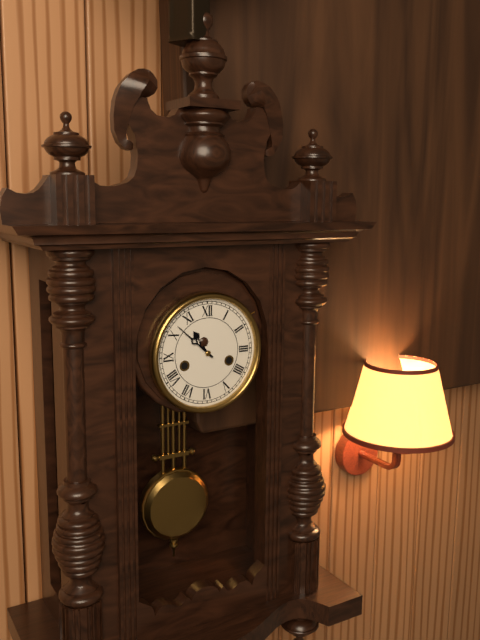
{"hour": 10, "minute": 52}
